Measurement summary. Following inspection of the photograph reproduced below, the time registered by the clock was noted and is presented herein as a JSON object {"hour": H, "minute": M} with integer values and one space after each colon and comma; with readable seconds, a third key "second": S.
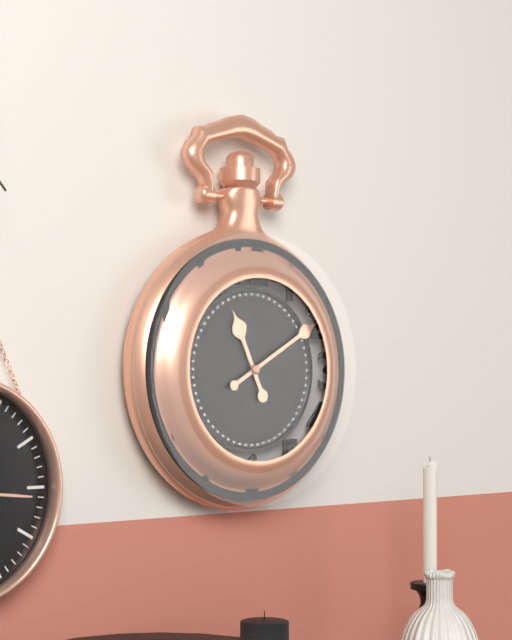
{"hour": 11, "minute": 10}
